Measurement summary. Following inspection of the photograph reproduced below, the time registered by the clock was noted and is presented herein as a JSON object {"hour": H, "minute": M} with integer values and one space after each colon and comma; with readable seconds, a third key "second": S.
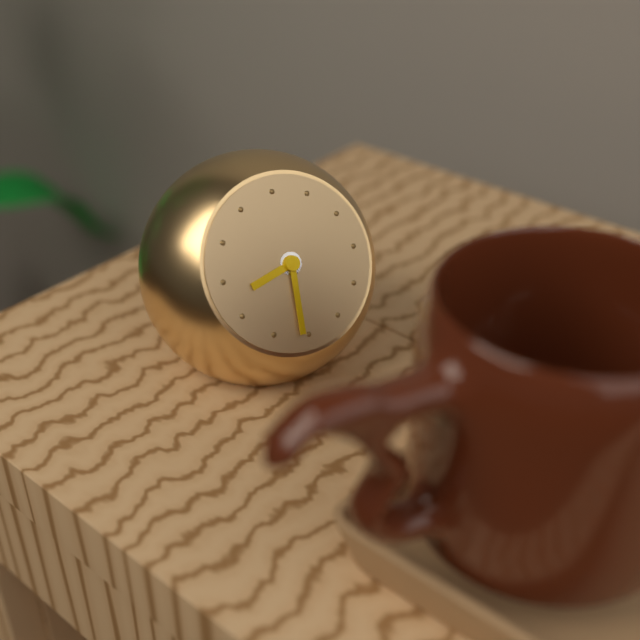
{"hour": 8, "minute": 31}
